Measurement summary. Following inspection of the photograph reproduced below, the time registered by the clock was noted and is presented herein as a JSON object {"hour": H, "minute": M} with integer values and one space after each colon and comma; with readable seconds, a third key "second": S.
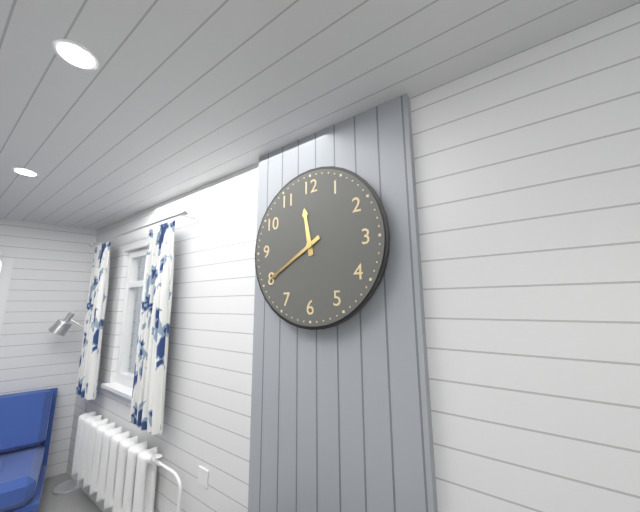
{"hour": 11, "minute": 40}
